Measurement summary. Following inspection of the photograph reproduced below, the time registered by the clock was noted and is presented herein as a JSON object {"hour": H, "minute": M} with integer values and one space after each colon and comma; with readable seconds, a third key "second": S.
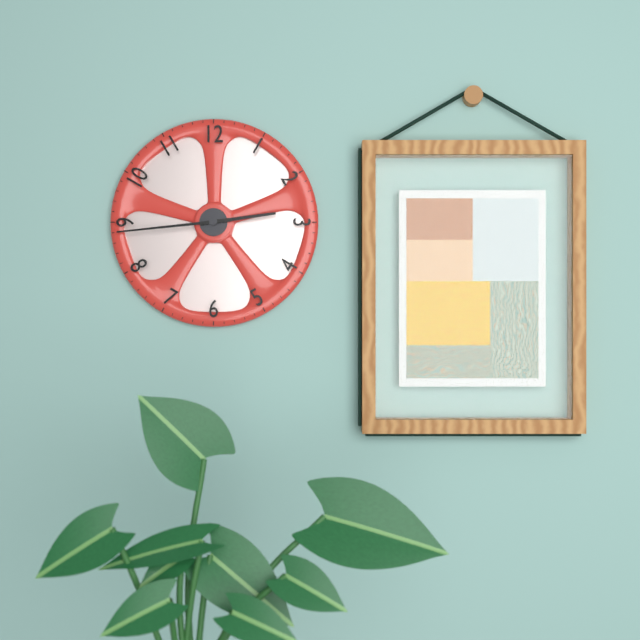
{"hour": 2, "minute": 44}
